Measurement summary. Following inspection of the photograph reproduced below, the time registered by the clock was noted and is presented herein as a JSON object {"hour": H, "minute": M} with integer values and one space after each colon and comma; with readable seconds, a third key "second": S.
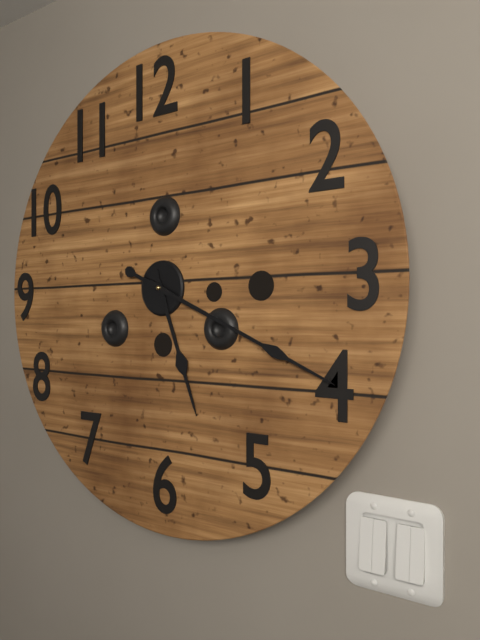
{"hour": 5, "minute": 19}
